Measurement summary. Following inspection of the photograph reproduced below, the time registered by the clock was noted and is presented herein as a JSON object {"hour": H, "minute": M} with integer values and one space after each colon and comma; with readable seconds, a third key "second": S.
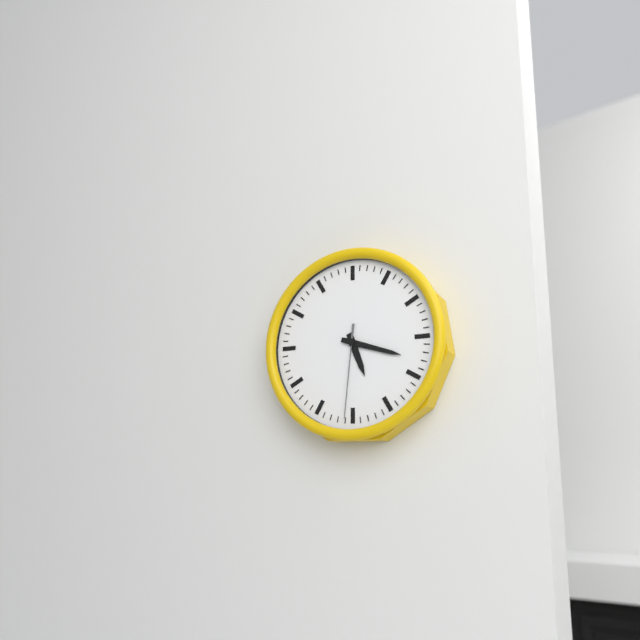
{"hour": 5, "minute": 18, "second": 31}
